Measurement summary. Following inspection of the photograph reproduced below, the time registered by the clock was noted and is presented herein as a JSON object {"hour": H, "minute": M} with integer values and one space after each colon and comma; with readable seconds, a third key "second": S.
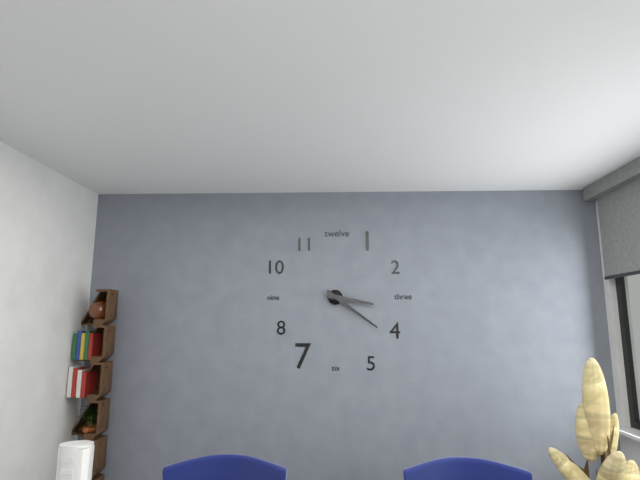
{"hour": 3, "minute": 21}
